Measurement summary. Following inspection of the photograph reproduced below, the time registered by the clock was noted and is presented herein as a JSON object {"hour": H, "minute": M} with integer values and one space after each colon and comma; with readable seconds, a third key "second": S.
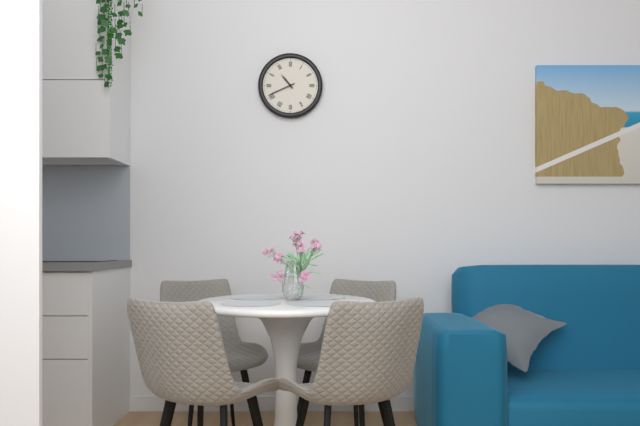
{"hour": 10, "minute": 41}
